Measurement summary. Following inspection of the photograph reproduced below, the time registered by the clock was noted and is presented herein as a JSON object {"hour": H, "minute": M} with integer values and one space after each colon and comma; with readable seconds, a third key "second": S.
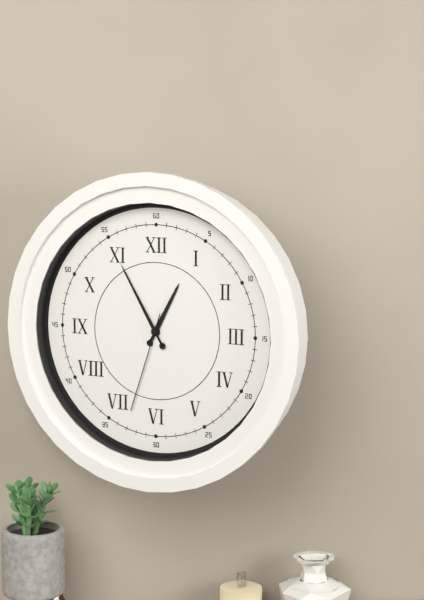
{"hour": 12, "minute": 55, "second": 33}
